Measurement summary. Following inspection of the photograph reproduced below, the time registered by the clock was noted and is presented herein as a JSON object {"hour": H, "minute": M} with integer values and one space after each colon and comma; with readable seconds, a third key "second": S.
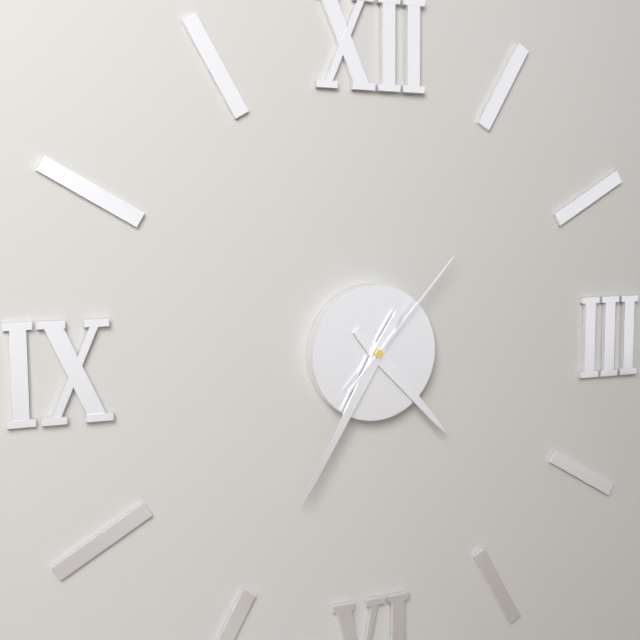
{"hour": 4, "minute": 35, "second": 7}
